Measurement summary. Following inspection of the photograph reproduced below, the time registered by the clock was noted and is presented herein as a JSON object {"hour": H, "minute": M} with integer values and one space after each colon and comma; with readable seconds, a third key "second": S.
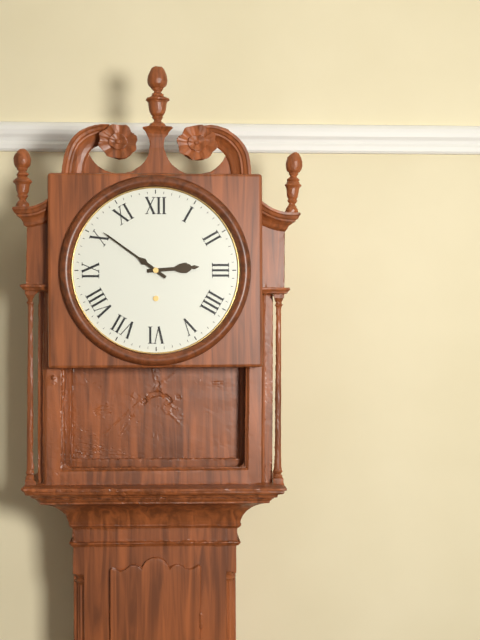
{"hour": 2, "minute": 51}
